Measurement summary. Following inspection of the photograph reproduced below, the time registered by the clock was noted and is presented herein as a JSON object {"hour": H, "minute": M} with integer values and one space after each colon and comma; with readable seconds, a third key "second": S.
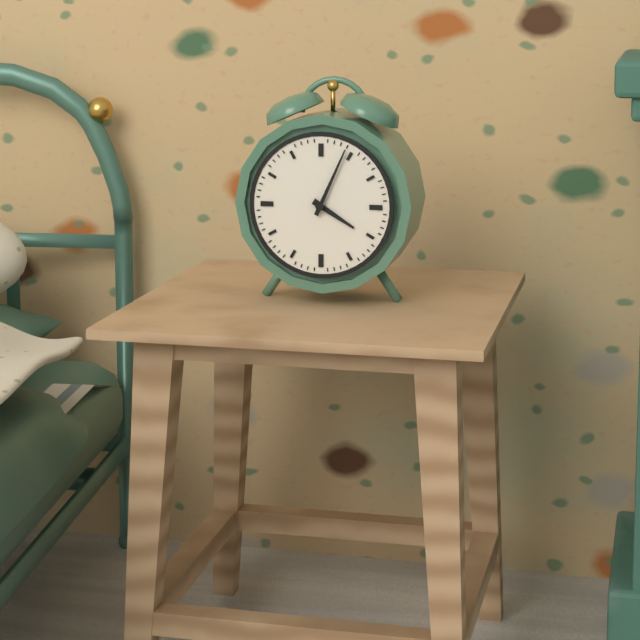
{"hour": 4, "minute": 4}
